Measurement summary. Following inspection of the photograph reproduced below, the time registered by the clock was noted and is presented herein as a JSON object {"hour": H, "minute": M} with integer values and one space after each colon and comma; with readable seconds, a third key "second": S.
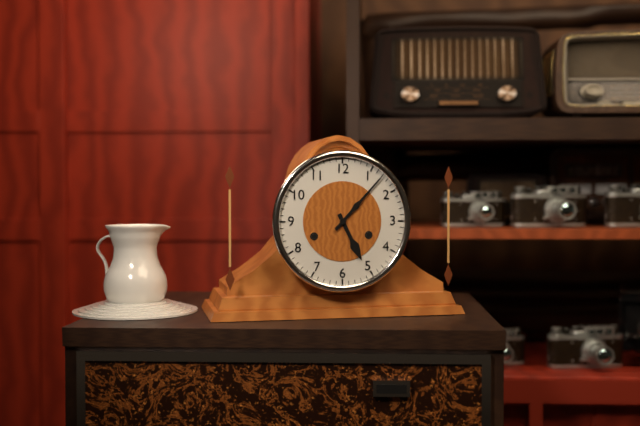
{"hour": 5, "minute": 7}
